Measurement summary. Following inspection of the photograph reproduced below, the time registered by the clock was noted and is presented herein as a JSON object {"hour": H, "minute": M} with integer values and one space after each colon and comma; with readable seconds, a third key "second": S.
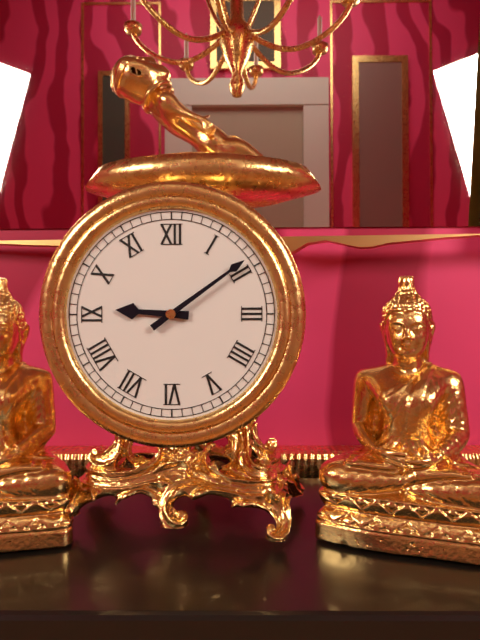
{"hour": 9, "minute": 9}
